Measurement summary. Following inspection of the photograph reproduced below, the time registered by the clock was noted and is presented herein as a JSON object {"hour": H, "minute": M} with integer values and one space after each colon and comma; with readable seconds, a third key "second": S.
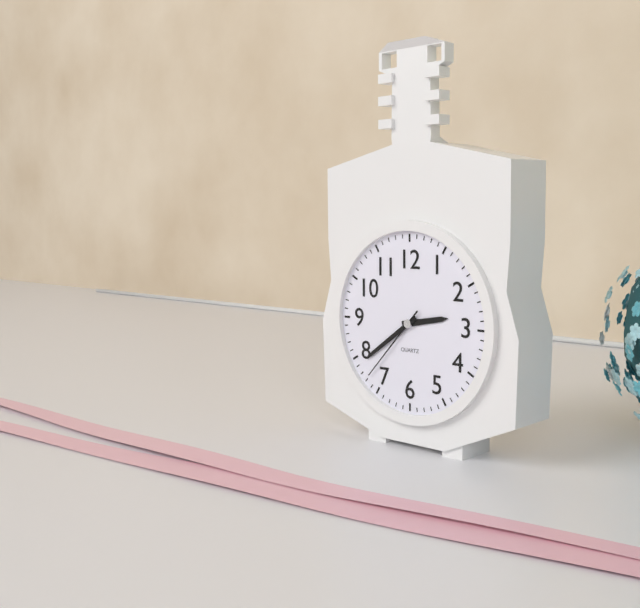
{"hour": 2, "minute": 39, "second": 37}
